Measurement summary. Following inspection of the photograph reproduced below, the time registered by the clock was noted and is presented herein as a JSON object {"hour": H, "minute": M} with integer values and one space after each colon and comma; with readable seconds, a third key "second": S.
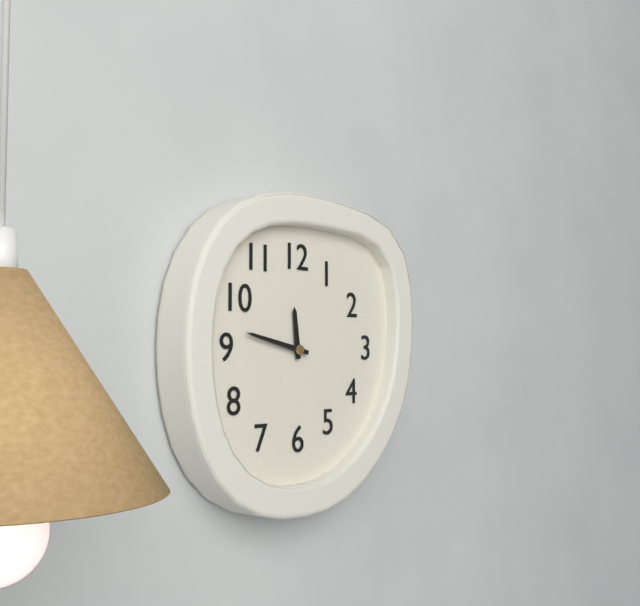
{"hour": 11, "minute": 47}
